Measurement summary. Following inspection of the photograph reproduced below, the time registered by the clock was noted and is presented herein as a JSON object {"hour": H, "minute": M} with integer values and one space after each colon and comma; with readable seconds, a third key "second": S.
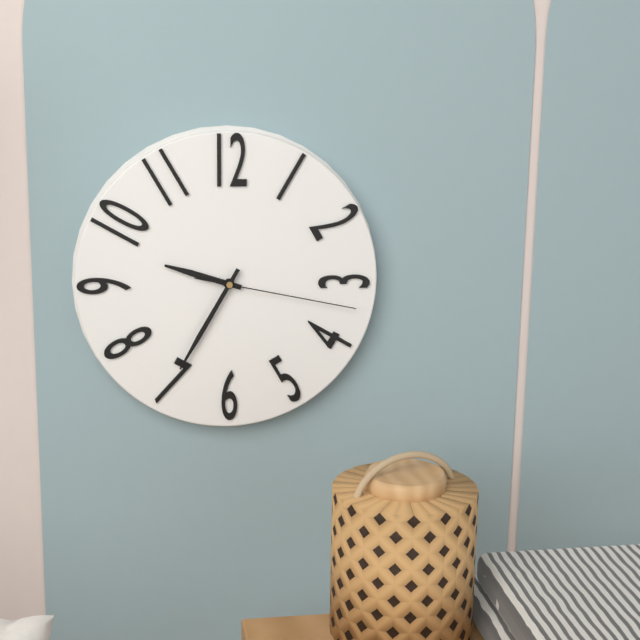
{"hour": 9, "minute": 35, "second": 17}
